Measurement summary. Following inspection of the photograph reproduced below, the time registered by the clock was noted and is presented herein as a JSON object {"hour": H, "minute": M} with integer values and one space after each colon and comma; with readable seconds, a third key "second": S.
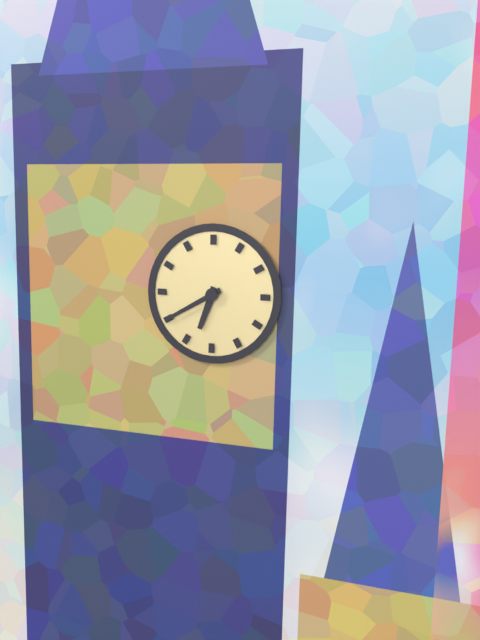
{"hour": 6, "minute": 40}
